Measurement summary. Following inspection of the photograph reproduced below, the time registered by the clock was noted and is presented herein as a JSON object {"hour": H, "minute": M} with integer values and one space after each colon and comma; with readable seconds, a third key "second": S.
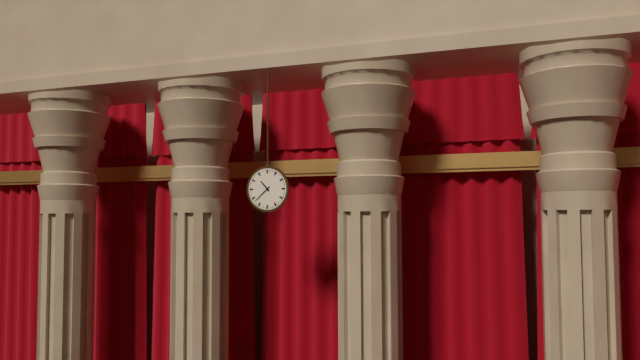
{"hour": 10, "minute": 38}
